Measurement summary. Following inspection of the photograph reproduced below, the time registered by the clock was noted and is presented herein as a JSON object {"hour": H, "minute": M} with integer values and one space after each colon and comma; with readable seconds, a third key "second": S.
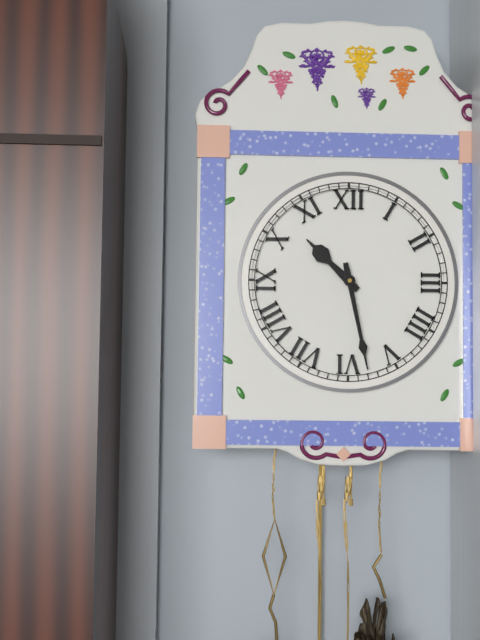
{"hour": 10, "minute": 28}
